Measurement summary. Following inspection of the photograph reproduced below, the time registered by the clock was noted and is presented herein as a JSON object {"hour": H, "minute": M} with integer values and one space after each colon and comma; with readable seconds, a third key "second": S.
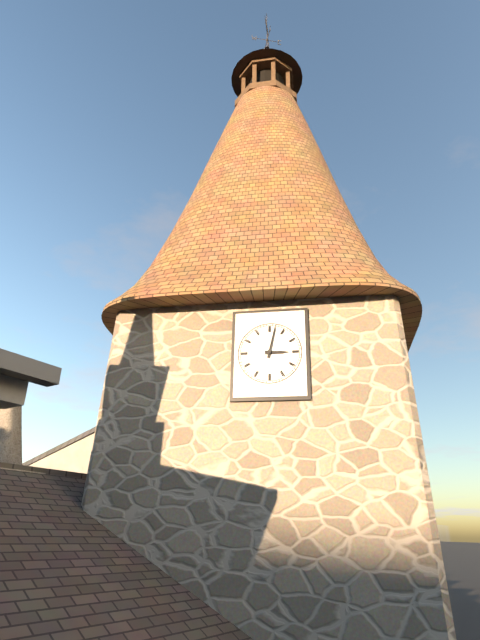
{"hour": 3, "minute": 2}
